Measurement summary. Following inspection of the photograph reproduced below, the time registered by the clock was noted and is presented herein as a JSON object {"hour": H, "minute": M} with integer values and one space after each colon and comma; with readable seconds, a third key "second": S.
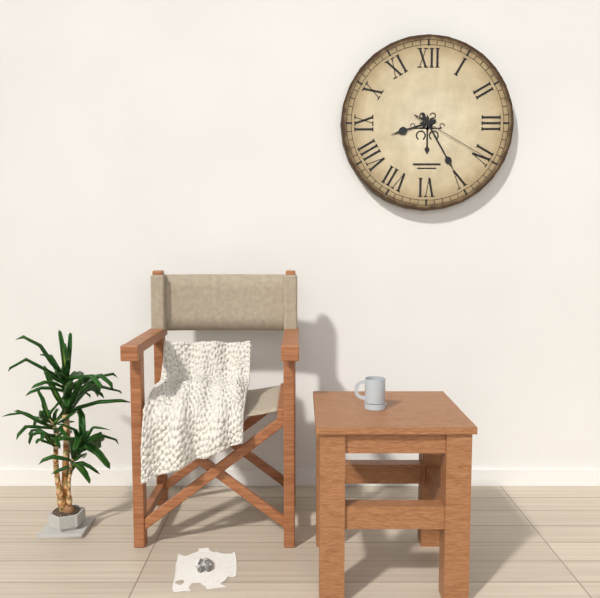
{"hour": 8, "minute": 25, "second": 20}
